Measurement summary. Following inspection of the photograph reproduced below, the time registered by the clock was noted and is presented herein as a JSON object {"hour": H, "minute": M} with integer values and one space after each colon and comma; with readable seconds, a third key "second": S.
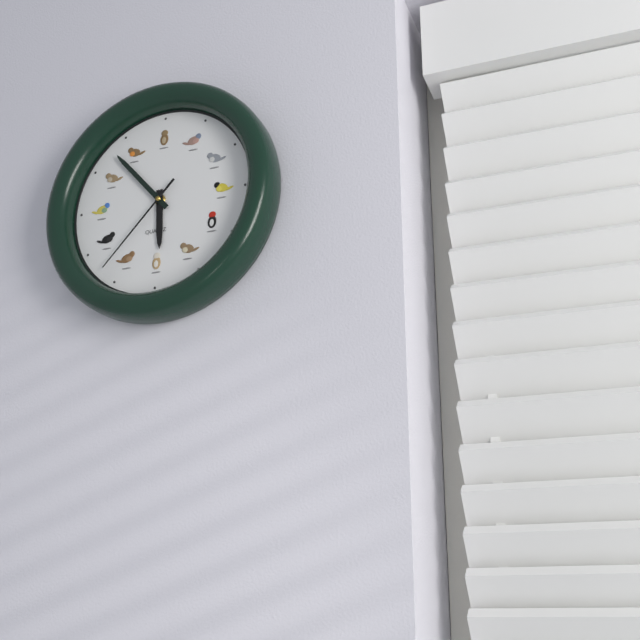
{"hour": 5, "minute": 53, "second": 37}
